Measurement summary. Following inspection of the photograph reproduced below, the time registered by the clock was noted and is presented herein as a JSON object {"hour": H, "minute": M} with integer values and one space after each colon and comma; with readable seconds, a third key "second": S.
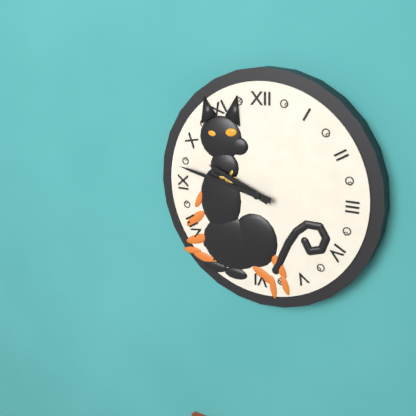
{"hour": 9, "minute": 47}
